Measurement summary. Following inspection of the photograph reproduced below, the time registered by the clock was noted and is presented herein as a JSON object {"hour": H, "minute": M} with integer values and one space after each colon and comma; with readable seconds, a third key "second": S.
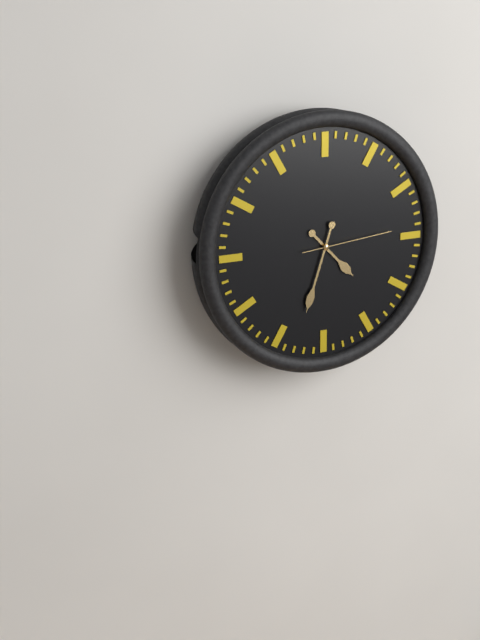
{"hour": 4, "minute": 33, "second": 14}
